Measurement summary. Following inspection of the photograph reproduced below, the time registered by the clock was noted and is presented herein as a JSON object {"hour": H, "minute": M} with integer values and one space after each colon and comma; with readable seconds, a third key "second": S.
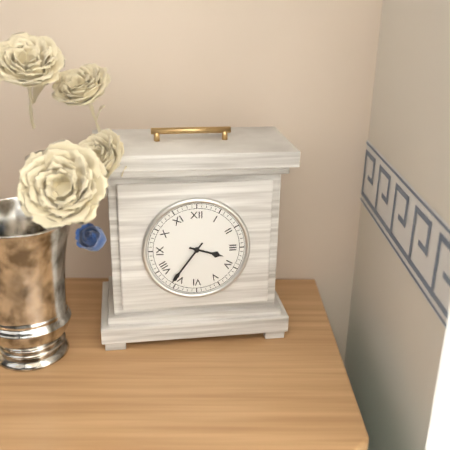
{"hour": 3, "minute": 36}
